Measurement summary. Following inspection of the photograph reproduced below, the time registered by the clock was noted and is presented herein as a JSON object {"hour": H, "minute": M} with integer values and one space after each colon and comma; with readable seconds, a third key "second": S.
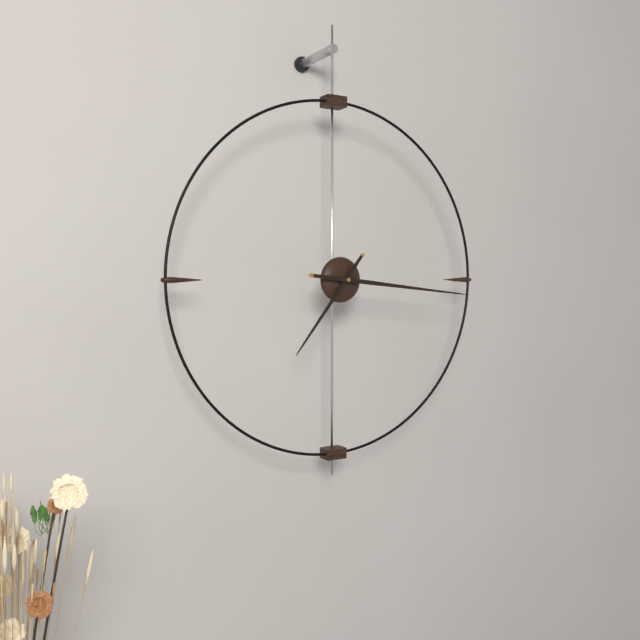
{"hour": 7, "minute": 16}
